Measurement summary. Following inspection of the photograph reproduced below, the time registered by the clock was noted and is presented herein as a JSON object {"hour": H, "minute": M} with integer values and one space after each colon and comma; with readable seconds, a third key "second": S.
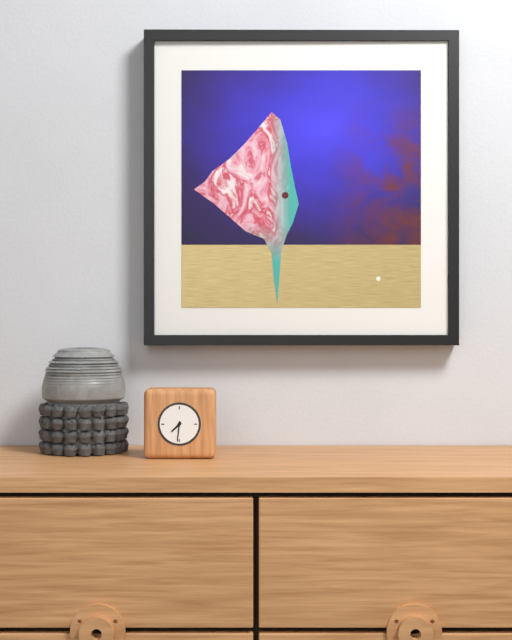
{"hour": 7, "minute": 31}
